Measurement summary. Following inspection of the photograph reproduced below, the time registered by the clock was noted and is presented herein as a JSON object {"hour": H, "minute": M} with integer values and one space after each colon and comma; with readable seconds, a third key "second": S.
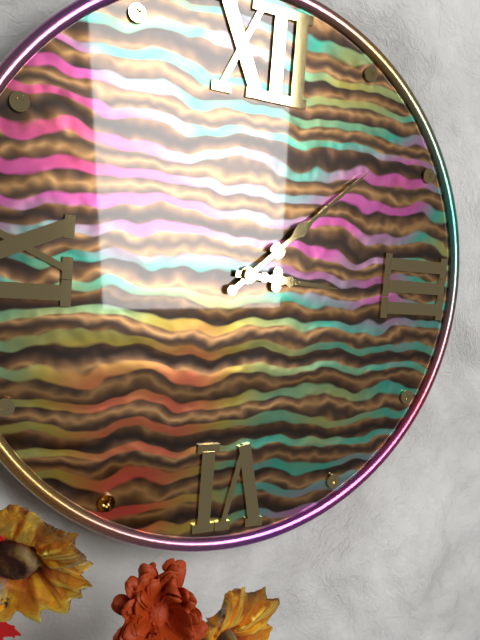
{"hour": 3, "minute": 8}
